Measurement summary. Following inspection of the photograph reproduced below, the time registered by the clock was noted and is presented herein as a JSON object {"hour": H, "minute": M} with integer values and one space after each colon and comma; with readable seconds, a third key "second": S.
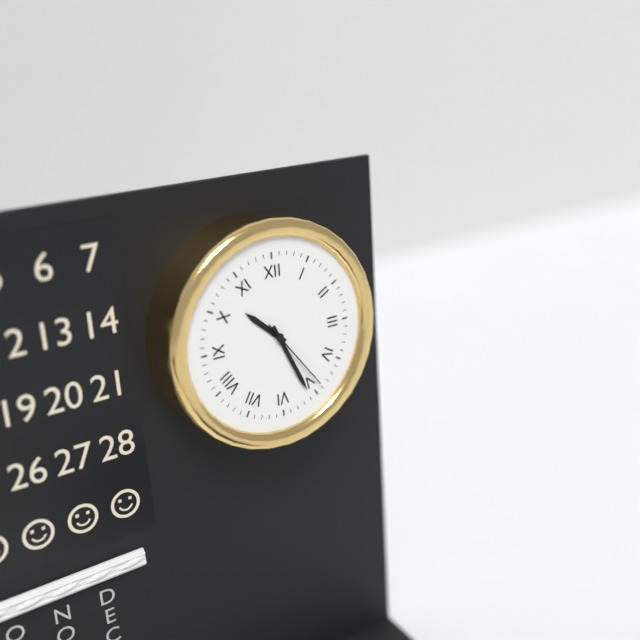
{"hour": 10, "minute": 26, "second": 24}
